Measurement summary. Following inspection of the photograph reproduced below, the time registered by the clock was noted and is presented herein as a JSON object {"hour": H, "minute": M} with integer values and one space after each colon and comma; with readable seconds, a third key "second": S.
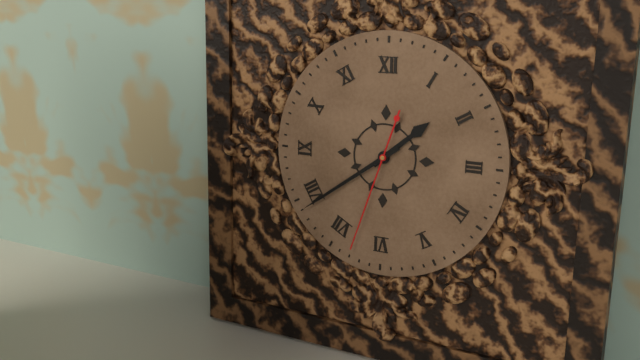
{"hour": 1, "minute": 39, "second": 33}
